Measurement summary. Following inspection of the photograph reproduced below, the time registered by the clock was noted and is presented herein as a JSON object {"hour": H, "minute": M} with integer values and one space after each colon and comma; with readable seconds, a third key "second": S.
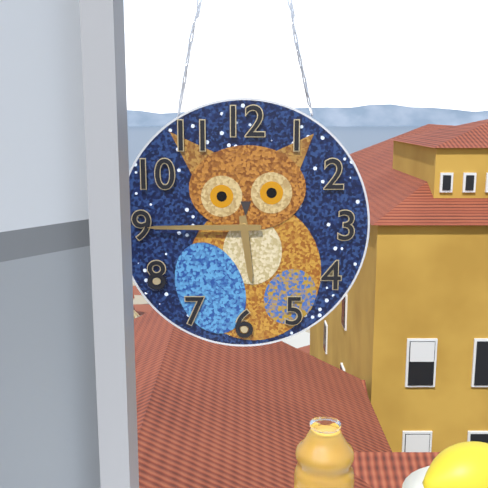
{"hour": 5, "minute": 45}
